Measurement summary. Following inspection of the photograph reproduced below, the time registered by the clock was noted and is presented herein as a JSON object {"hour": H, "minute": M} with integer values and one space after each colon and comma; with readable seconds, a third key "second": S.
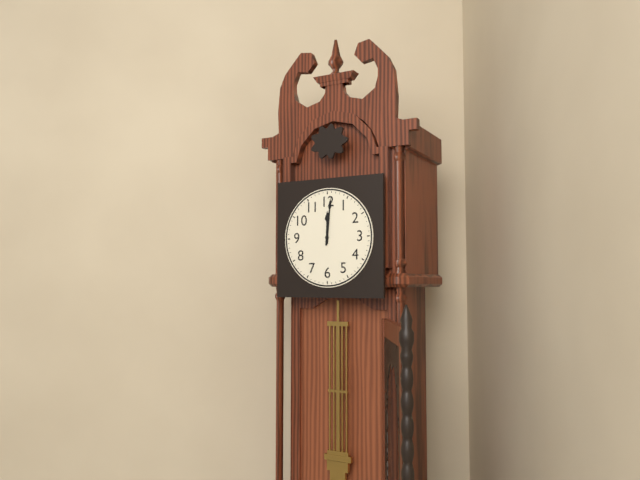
{"hour": 12, "minute": 1}
